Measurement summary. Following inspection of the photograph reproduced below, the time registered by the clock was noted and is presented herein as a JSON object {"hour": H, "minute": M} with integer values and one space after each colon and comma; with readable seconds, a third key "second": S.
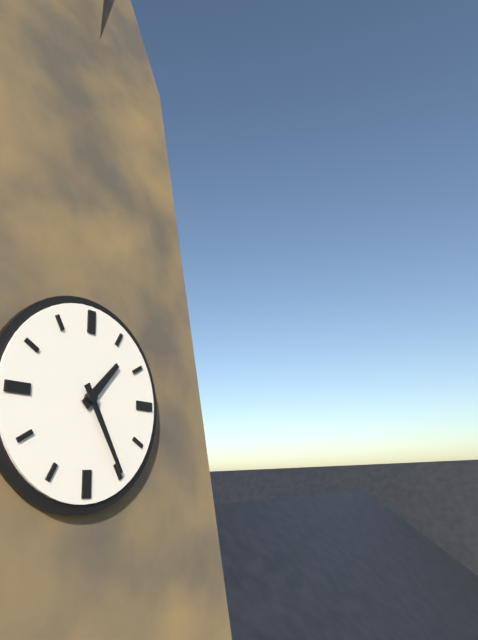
{"hour": 1, "minute": 25}
